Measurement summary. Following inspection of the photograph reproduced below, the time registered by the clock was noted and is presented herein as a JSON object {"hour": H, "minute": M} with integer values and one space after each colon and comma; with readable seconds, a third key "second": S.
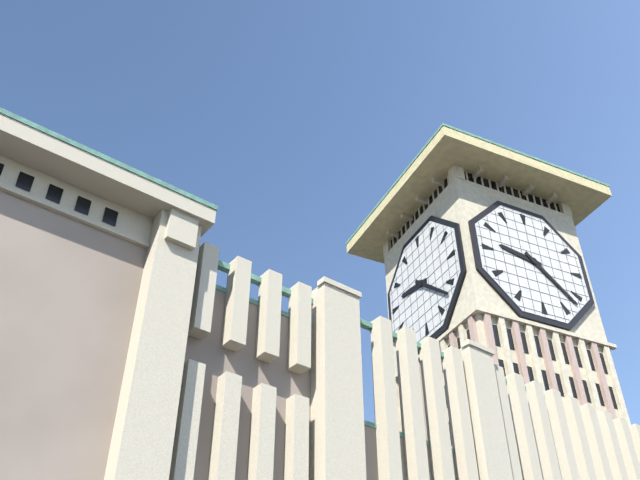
{"hour": 9, "minute": 22}
